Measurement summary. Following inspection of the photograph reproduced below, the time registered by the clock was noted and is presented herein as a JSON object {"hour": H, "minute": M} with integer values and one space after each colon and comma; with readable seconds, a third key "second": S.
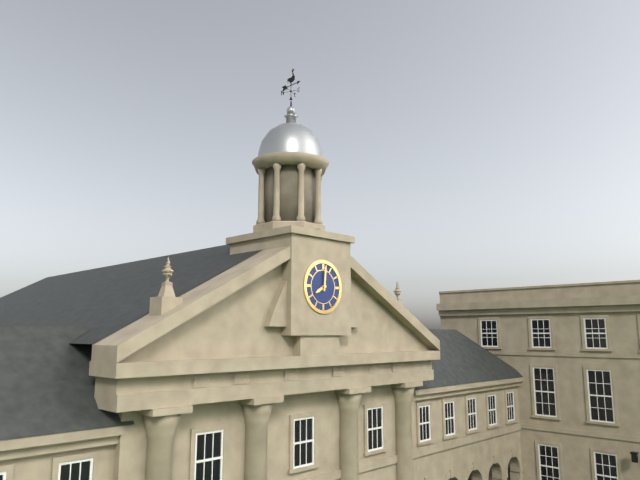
{"hour": 8, "minute": 1}
